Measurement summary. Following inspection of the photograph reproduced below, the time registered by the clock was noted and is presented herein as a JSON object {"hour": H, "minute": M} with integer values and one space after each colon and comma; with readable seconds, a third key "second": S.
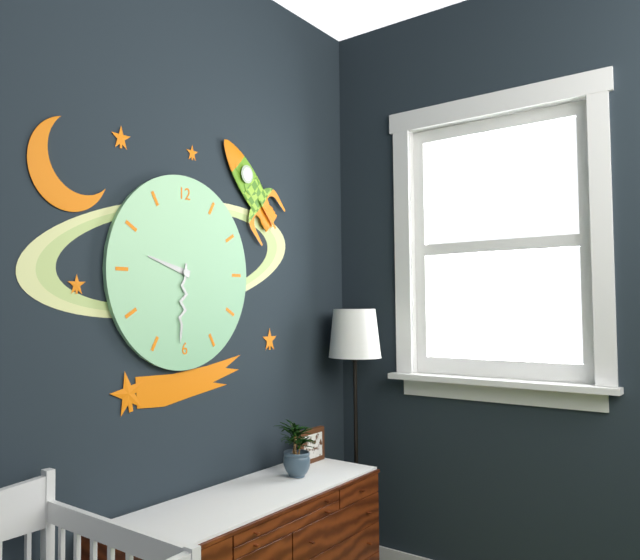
{"hour": 9, "minute": 31}
